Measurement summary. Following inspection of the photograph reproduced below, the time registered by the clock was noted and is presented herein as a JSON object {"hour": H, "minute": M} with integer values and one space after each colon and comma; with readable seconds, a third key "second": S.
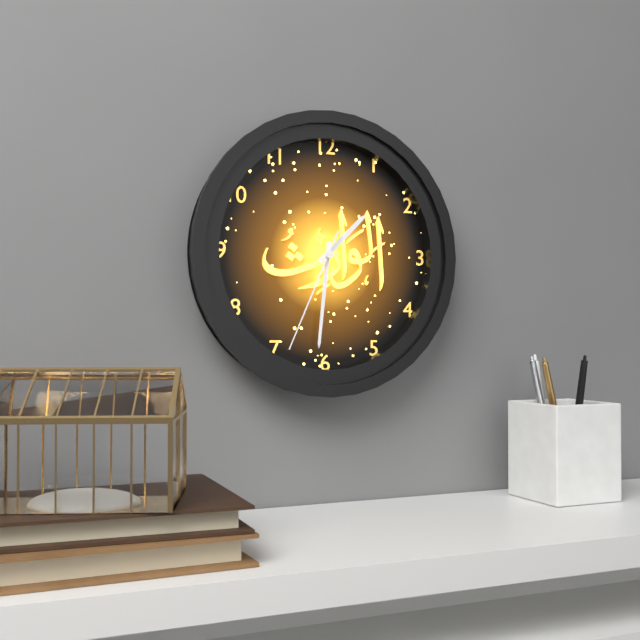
{"hour": 1, "minute": 31, "second": 34}
